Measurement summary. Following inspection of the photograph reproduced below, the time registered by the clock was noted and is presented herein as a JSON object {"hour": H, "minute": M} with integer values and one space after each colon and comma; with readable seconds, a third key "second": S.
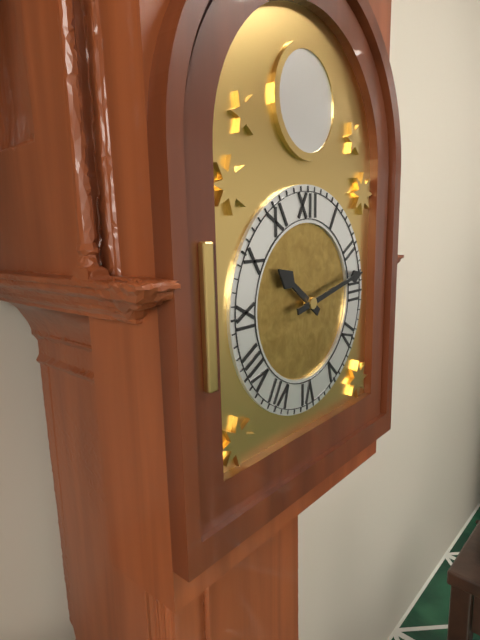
{"hour": 10, "minute": 13}
